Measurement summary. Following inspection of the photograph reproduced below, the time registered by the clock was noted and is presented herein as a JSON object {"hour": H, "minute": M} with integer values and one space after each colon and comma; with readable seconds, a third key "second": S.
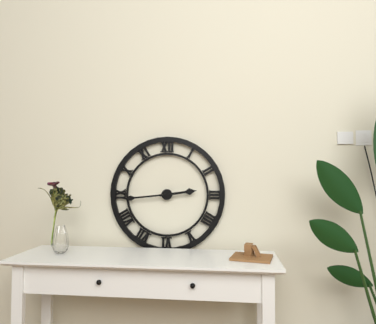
{"hour": 2, "minute": 44}
